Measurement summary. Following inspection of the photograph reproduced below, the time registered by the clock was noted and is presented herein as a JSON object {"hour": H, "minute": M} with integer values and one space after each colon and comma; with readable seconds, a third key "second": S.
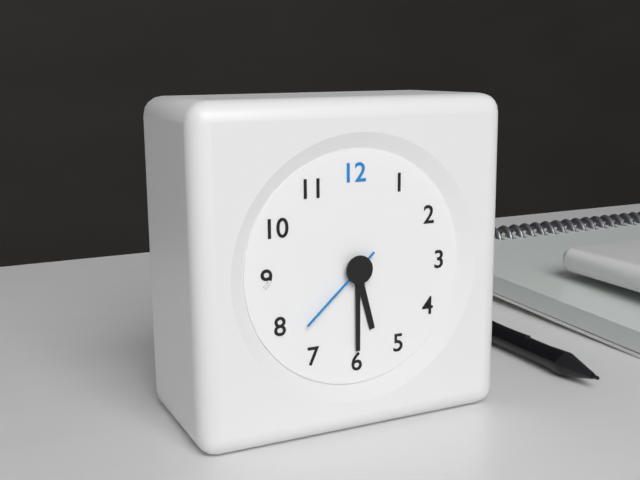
{"hour": 5, "minute": 30, "second": 38}
